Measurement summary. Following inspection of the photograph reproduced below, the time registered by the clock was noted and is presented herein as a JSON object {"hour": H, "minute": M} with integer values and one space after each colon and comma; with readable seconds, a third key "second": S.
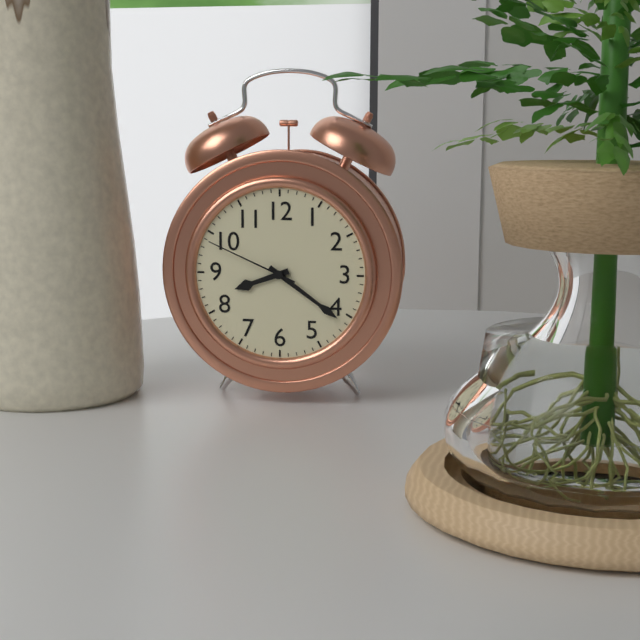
{"hour": 8, "minute": 21, "second": 49}
